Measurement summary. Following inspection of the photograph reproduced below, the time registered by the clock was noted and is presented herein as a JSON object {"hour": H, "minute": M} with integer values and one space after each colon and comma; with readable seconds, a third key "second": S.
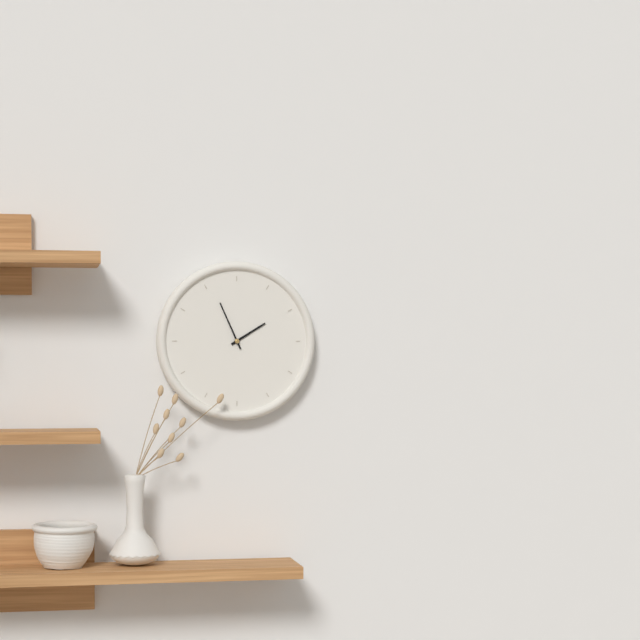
{"hour": 1, "minute": 56}
